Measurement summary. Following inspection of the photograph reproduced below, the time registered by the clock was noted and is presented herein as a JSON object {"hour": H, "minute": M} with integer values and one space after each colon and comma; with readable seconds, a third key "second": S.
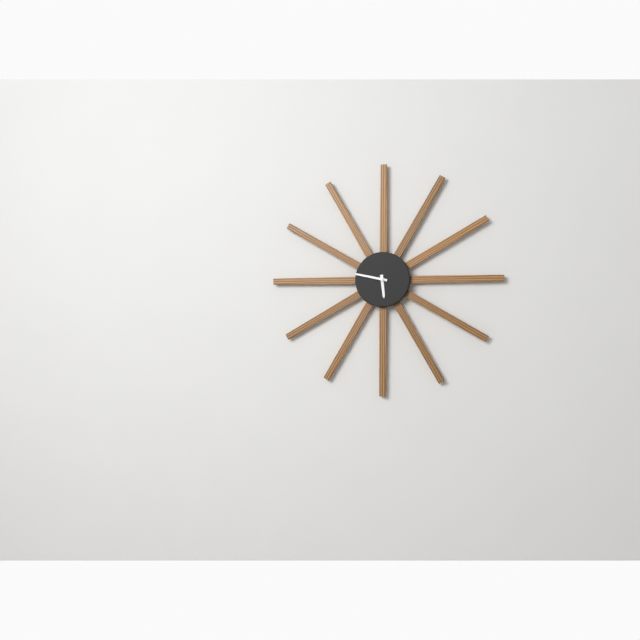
{"hour": 5, "minute": 47}
